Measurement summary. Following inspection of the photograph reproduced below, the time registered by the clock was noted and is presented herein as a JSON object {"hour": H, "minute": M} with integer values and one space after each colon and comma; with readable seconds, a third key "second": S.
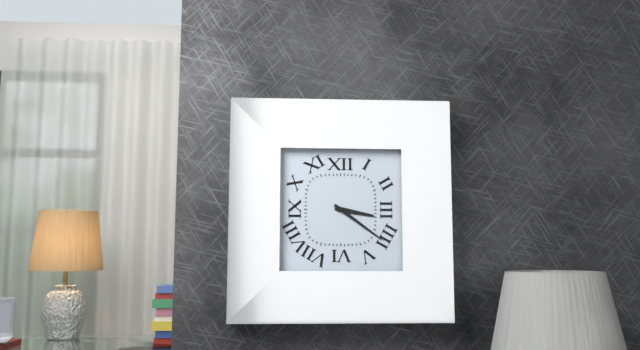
{"hour": 3, "minute": 21}
